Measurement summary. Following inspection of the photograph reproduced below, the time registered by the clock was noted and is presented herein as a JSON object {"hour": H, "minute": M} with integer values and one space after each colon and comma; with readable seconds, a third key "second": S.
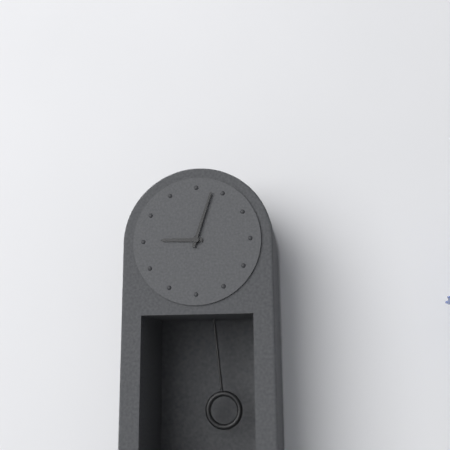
{"hour": 9, "minute": 3}
